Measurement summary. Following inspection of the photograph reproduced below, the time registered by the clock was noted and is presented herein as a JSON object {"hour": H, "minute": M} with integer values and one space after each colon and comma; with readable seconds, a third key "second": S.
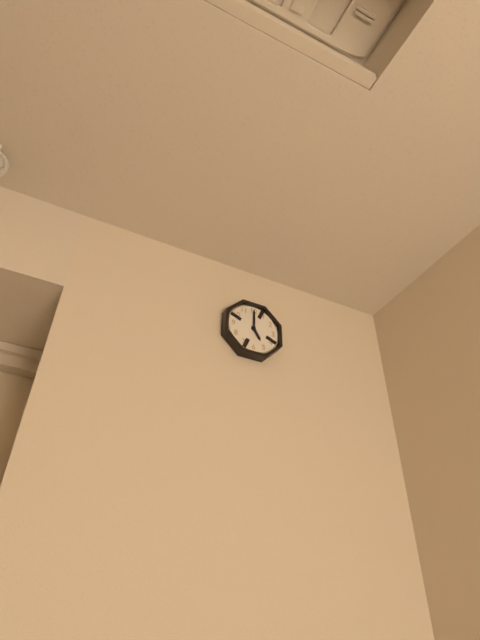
{"hour": 5, "minute": 0}
